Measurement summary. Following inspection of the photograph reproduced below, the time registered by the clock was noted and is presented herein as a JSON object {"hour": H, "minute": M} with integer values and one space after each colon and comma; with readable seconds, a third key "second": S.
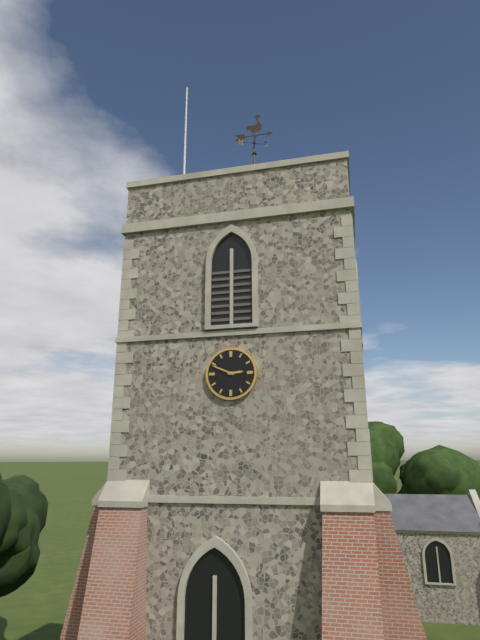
{"hour": 2, "minute": 49}
